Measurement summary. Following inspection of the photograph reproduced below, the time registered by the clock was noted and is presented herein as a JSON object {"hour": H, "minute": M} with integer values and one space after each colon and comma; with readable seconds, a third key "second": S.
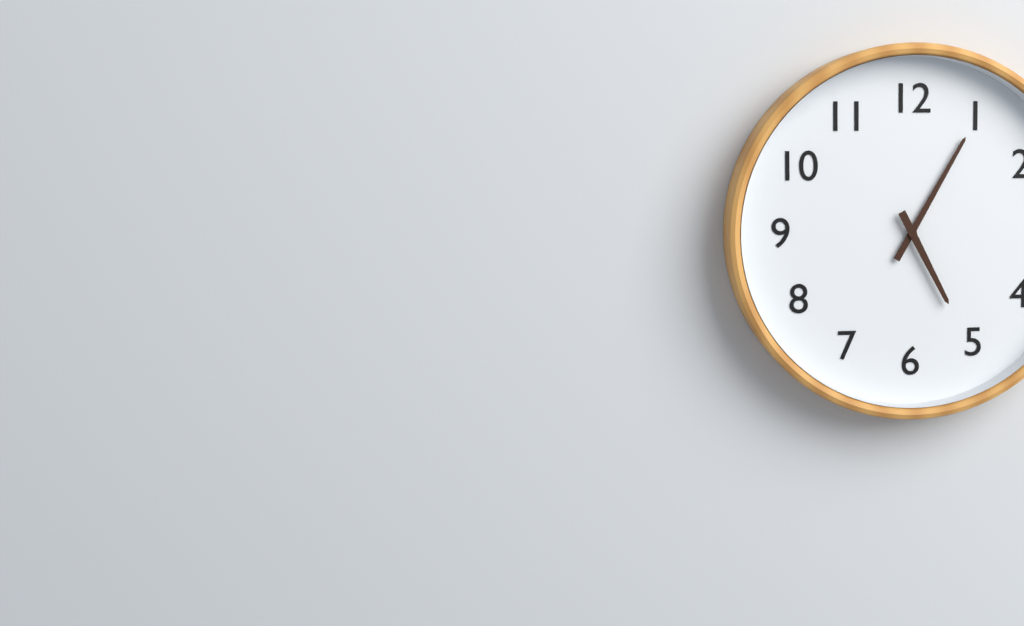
{"hour": 5, "minute": 5}
